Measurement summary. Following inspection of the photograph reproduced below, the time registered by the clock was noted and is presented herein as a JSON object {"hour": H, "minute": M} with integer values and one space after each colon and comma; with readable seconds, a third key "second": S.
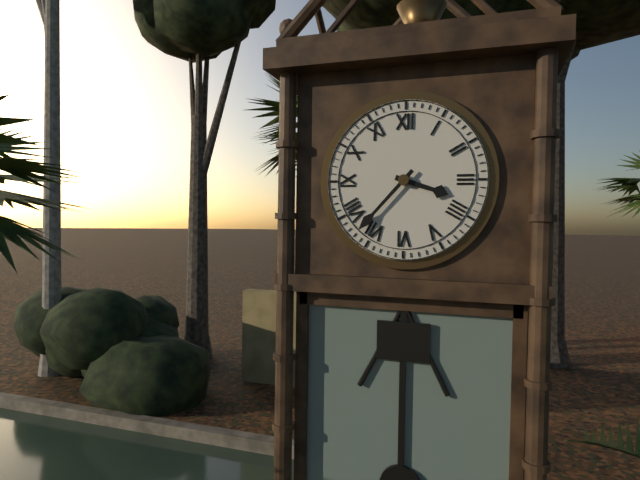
{"hour": 3, "minute": 37}
